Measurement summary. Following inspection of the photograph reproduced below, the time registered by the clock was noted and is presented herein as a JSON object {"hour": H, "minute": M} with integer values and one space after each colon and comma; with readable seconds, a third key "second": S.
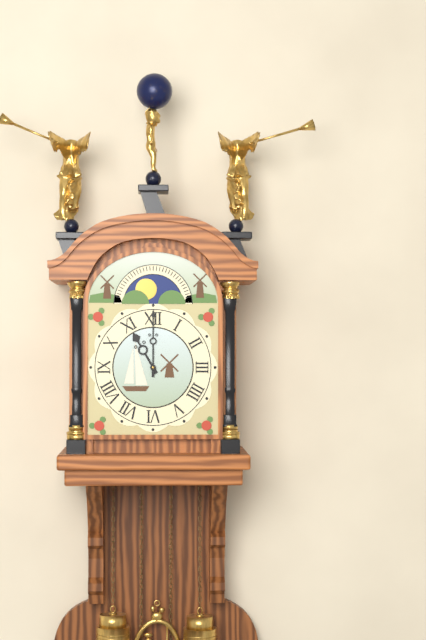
{"hour": 11, "minute": 0}
